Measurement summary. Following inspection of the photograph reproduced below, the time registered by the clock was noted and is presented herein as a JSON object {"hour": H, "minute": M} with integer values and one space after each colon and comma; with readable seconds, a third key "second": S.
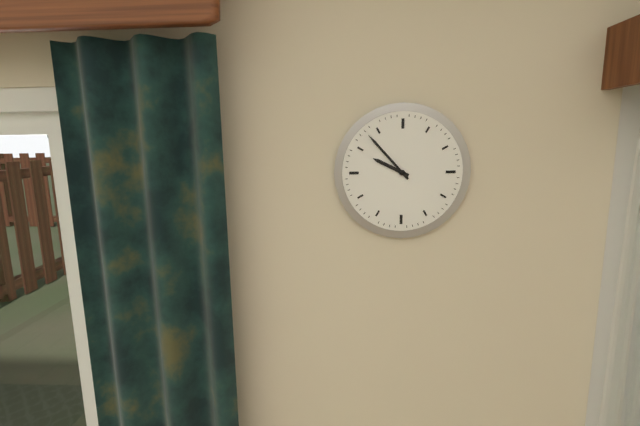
{"hour": 9, "minute": 53}
